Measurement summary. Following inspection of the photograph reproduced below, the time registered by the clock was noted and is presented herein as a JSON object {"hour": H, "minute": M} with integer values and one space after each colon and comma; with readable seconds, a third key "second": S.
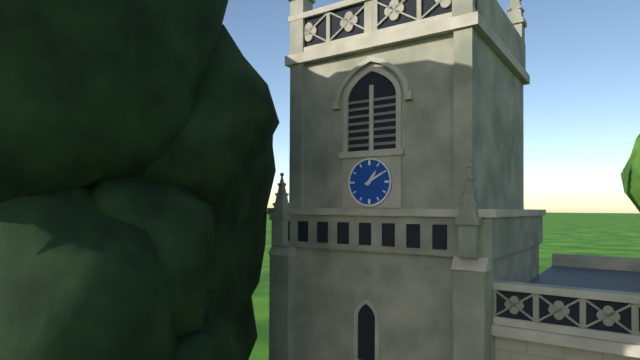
{"hour": 1, "minute": 10}
